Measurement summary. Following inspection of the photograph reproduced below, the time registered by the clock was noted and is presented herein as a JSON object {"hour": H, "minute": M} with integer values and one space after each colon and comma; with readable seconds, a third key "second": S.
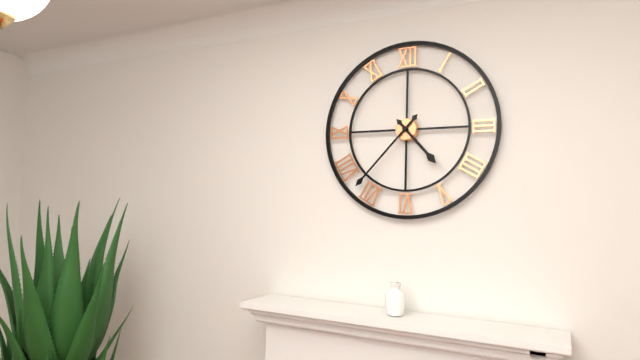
{"hour": 4, "minute": 37}
